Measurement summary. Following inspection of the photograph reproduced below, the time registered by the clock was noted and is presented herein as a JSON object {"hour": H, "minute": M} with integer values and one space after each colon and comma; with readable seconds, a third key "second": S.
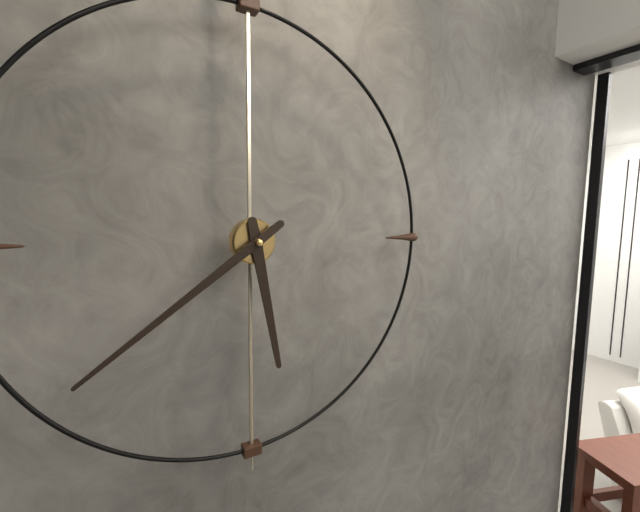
{"hour": 5, "minute": 39}
